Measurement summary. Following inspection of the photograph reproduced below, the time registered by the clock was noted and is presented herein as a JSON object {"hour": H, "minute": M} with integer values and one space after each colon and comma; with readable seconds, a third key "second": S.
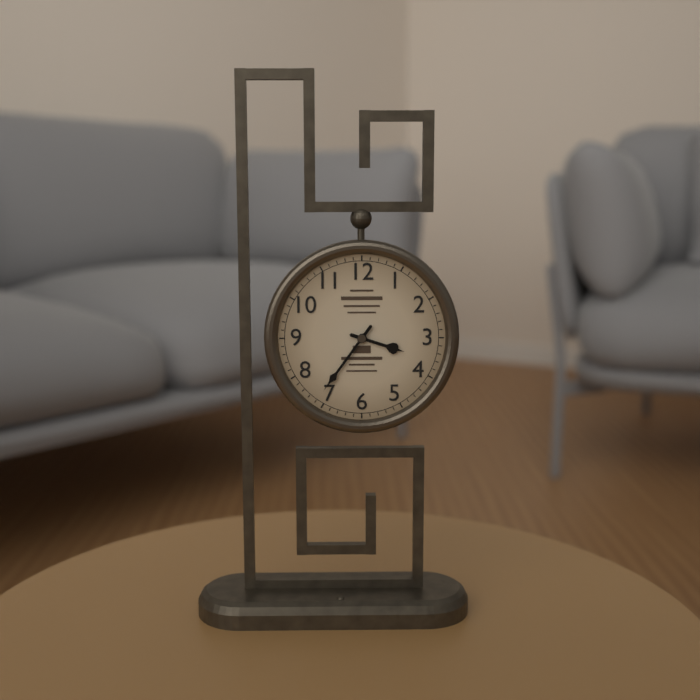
{"hour": 3, "minute": 36}
